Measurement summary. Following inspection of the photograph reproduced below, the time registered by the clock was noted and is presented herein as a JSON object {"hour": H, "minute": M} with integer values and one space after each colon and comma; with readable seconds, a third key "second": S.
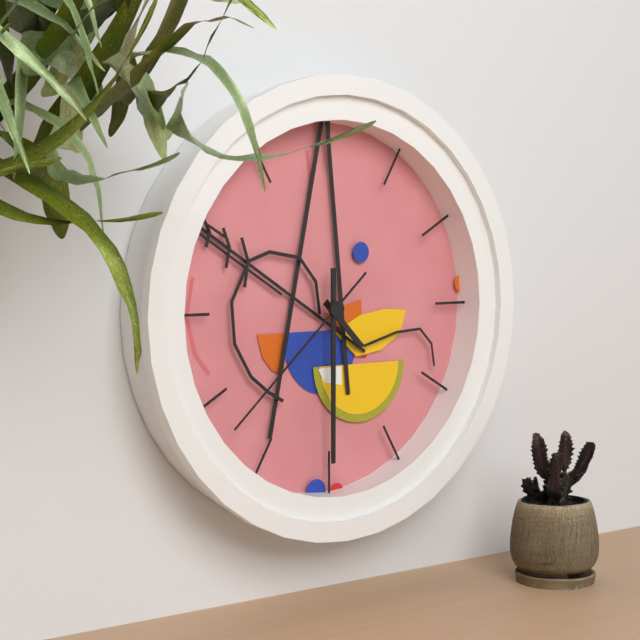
{"hour": 4, "minute": 30, "second": 38}
